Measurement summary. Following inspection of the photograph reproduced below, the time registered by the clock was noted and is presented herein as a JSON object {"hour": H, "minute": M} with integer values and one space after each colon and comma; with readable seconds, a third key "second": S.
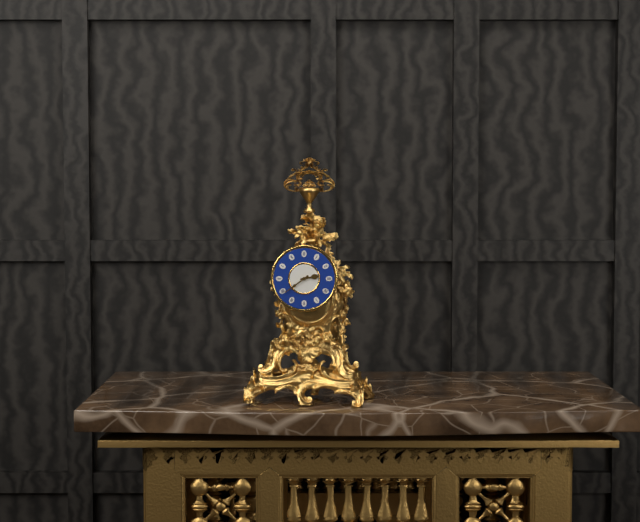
{"hour": 2, "minute": 39}
